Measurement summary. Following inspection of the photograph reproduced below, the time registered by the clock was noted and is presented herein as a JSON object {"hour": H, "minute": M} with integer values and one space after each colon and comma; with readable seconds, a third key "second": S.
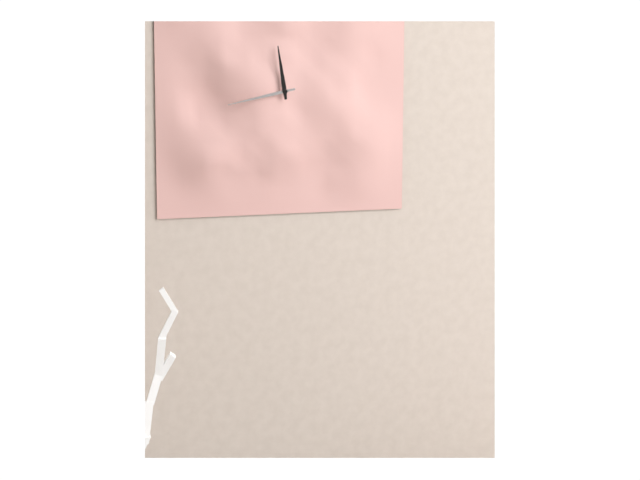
{"hour": 11, "minute": 43}
